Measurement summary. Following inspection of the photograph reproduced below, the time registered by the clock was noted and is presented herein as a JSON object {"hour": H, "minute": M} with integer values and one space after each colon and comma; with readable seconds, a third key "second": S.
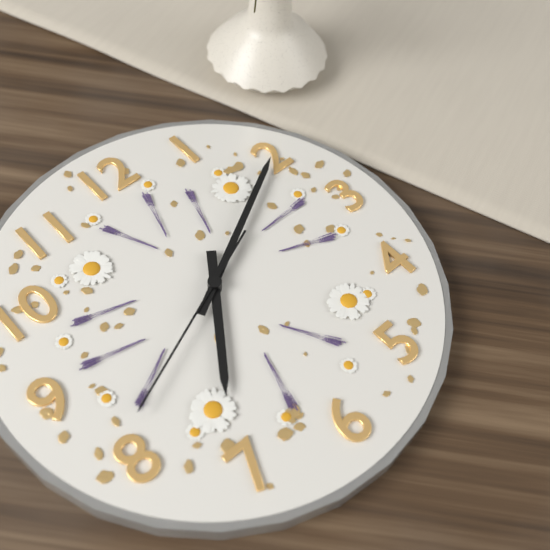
{"hour": 7, "minute": 10, "second": 41}
